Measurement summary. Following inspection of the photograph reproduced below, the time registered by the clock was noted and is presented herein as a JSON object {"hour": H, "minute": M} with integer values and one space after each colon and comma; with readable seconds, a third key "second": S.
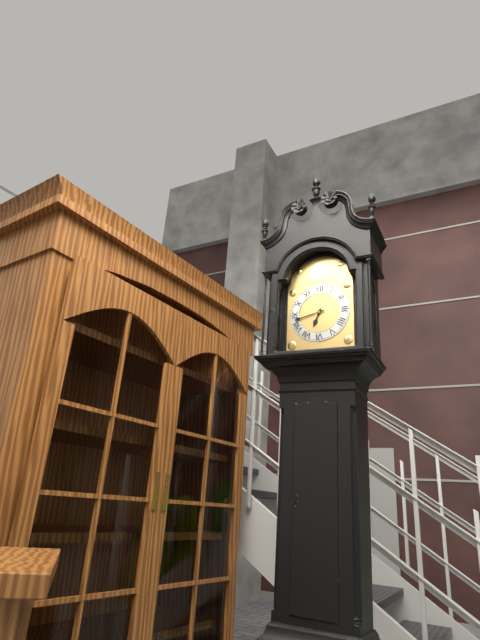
{"hour": 6, "minute": 43}
